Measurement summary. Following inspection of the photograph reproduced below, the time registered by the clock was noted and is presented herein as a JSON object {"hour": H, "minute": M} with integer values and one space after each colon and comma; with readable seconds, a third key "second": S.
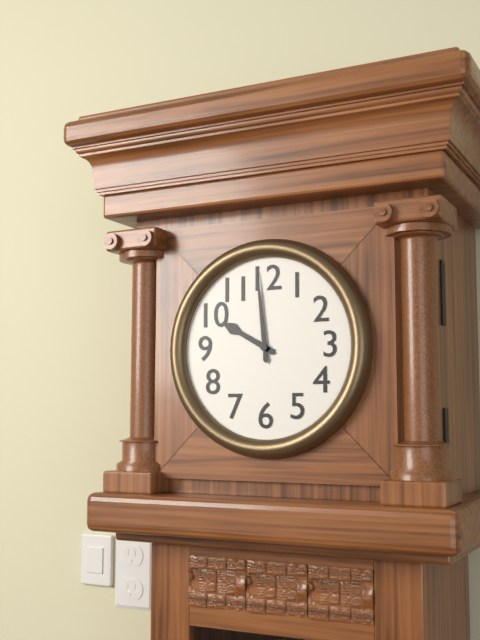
{"hour": 9, "minute": 59}
